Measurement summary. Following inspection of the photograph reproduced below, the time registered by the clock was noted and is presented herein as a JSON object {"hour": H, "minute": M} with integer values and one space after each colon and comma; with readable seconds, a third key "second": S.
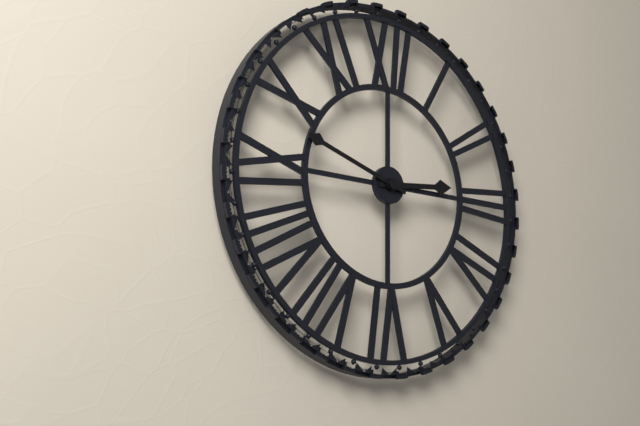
{"hour": 2, "minute": 48}
